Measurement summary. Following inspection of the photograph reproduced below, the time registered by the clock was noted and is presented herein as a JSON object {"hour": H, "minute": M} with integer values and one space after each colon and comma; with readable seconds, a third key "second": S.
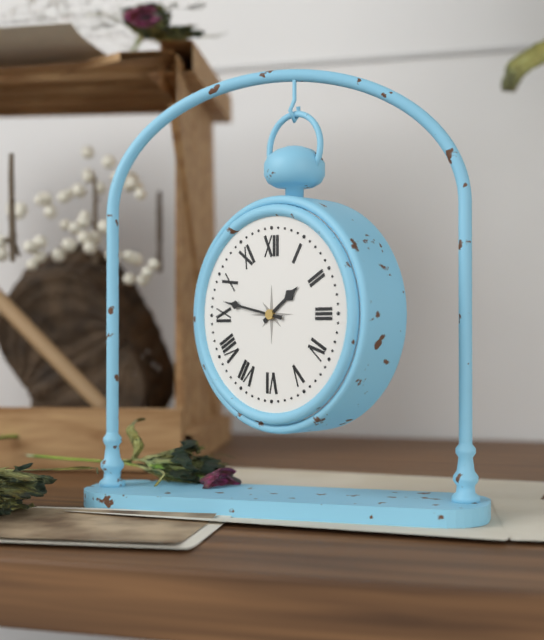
{"hour": 1, "minute": 47}
